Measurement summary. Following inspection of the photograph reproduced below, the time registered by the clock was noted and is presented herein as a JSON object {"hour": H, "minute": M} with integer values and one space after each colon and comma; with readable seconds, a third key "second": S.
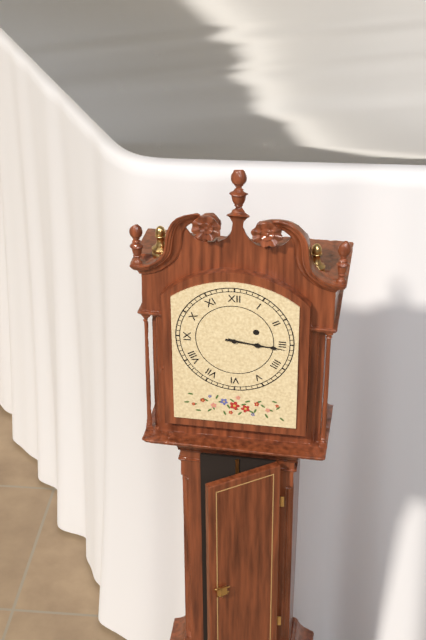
{"hour": 3, "minute": 16}
